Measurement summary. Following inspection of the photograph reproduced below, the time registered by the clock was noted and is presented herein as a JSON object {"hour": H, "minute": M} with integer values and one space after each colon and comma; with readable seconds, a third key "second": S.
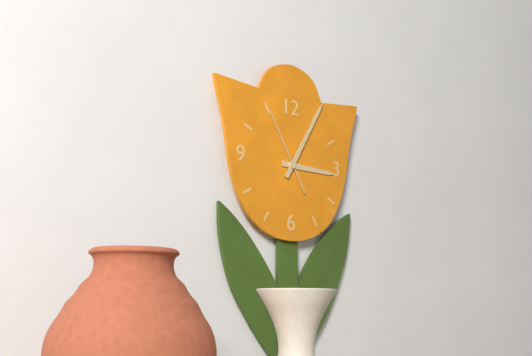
{"hour": 3, "minute": 5, "second": 55}
